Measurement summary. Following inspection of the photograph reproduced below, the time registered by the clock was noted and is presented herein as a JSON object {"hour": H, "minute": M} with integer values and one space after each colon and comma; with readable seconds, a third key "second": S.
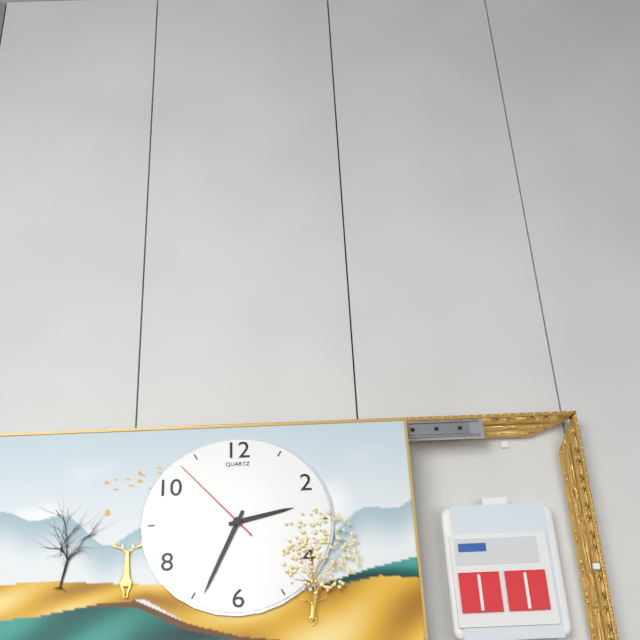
{"hour": 2, "minute": 34, "second": 53}
